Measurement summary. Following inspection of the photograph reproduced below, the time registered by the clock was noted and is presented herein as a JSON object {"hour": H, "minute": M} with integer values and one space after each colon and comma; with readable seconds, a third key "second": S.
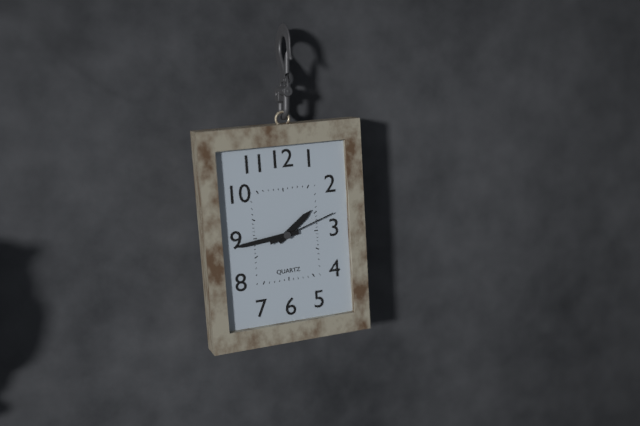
{"hour": 1, "minute": 44, "second": 12}
